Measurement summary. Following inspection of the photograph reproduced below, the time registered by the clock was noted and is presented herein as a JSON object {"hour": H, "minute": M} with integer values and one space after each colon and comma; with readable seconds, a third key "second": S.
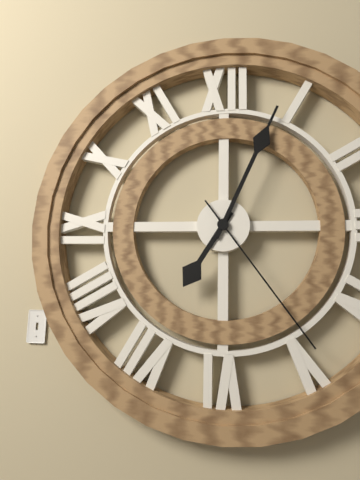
{"hour": 7, "minute": 4, "second": 24}
